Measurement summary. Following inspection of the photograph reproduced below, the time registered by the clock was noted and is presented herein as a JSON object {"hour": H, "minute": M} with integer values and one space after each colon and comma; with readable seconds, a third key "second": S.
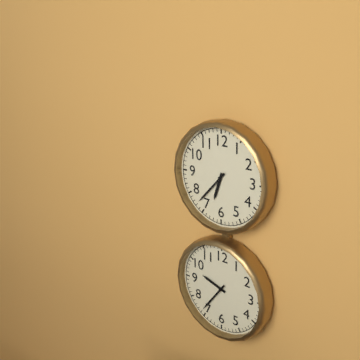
{"hour": 6, "minute": 37}
